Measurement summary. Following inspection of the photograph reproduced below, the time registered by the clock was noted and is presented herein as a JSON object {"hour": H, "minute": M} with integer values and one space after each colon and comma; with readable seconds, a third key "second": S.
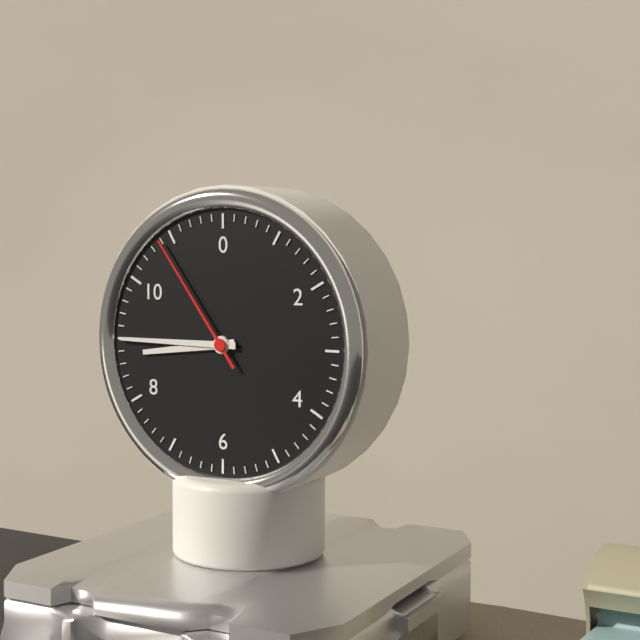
{"hour": 8, "minute": 45, "second": 54}
